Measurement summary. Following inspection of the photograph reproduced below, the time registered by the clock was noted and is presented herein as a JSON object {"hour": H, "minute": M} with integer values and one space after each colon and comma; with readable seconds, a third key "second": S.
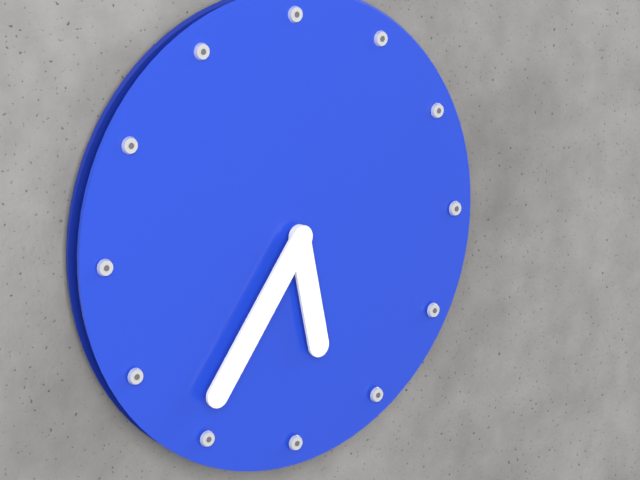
{"hour": 5, "minute": 36}
